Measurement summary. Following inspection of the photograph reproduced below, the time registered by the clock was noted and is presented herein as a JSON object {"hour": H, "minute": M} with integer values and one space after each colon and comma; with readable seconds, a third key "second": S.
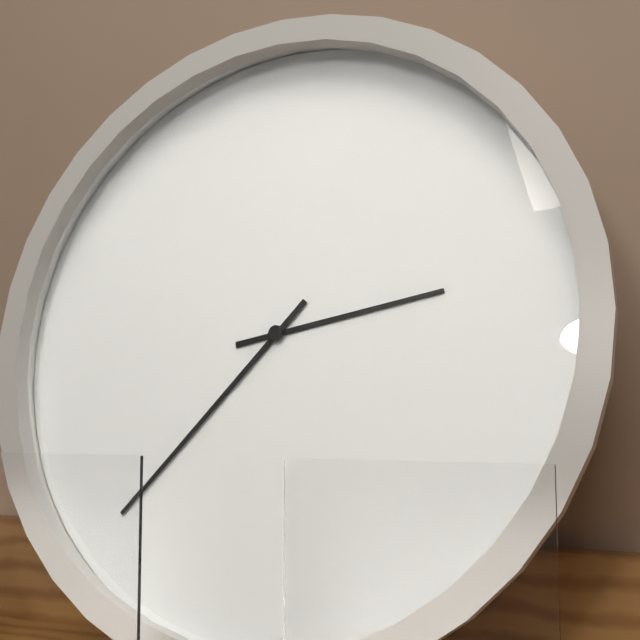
{"hour": 2, "minute": 37}
